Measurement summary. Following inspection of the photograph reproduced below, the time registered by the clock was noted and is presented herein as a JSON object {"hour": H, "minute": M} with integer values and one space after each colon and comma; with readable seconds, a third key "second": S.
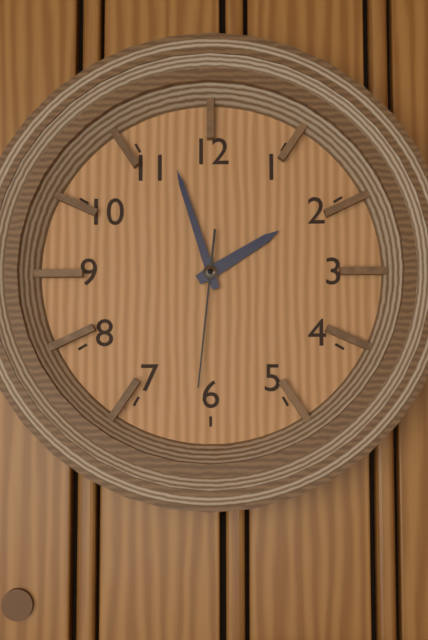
{"hour": 1, "minute": 57, "second": 31}
